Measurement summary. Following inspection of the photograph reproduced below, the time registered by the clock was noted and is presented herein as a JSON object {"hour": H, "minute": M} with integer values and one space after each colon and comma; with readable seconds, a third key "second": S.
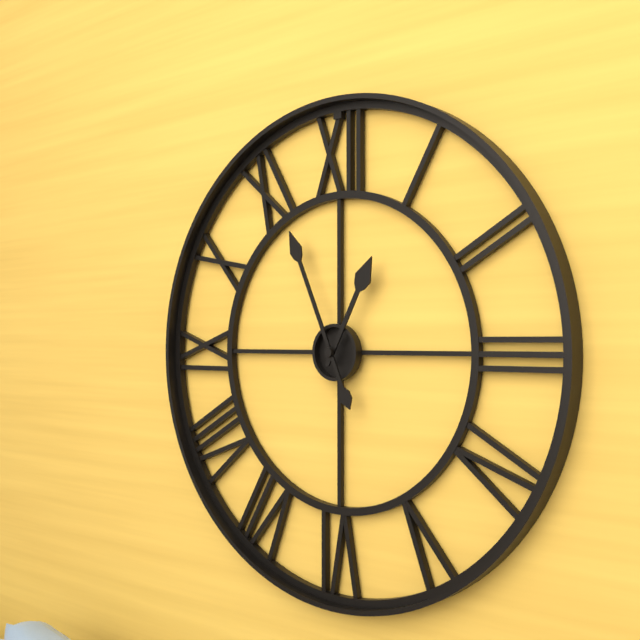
{"hour": 12, "minute": 56}
